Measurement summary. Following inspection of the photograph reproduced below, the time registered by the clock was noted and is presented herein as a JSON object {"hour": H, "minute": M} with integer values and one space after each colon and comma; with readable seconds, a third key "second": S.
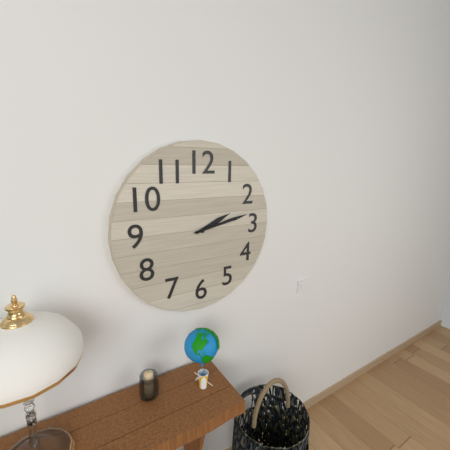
{"hour": 2, "minute": 13}
